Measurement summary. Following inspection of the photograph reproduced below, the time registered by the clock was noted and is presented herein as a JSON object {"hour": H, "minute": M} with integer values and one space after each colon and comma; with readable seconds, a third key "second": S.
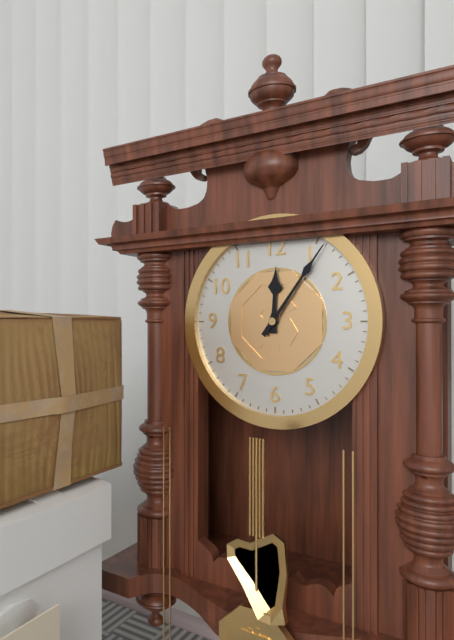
{"hour": 12, "minute": 6}
